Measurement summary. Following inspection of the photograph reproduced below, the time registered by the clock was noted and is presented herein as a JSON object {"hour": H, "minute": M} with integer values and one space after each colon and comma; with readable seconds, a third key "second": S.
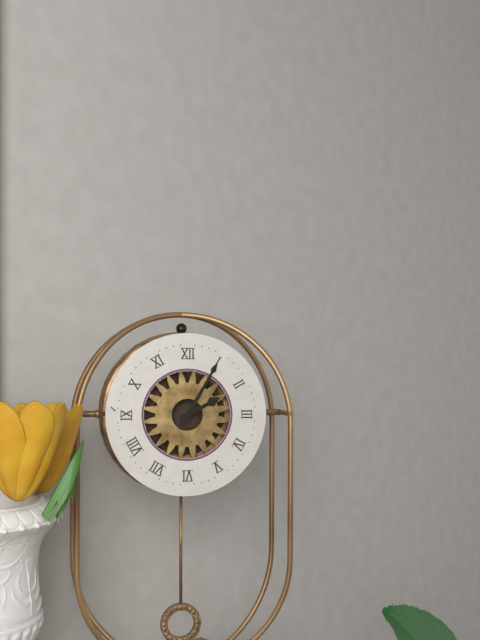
{"hour": 2, "minute": 5}
